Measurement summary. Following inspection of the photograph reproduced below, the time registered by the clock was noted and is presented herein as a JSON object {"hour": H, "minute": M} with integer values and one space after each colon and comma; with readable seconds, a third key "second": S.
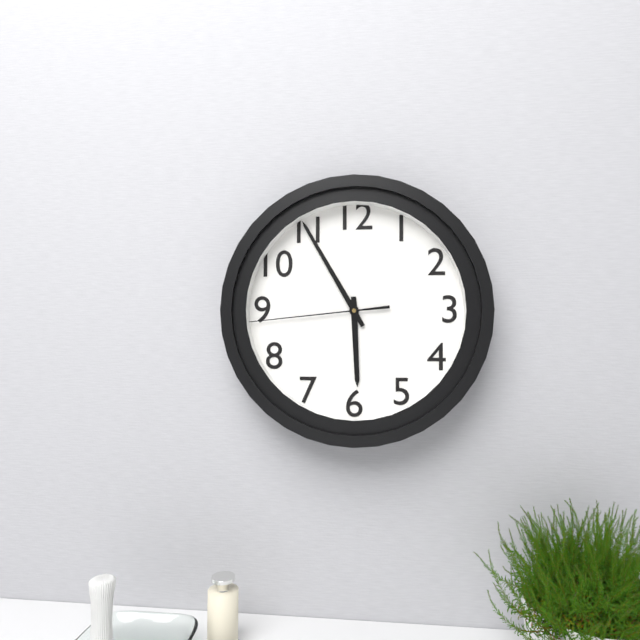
{"hour": 5, "minute": 55, "second": 44}
